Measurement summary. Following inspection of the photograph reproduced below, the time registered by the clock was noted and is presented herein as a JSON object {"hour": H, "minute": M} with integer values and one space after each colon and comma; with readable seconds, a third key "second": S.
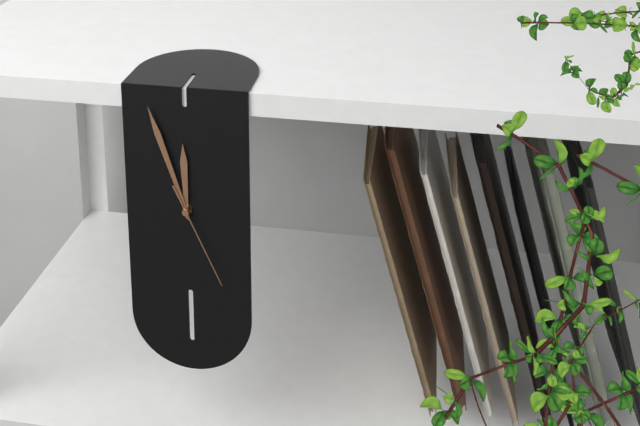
{"hour": 11, "minute": 57, "second": 26}
